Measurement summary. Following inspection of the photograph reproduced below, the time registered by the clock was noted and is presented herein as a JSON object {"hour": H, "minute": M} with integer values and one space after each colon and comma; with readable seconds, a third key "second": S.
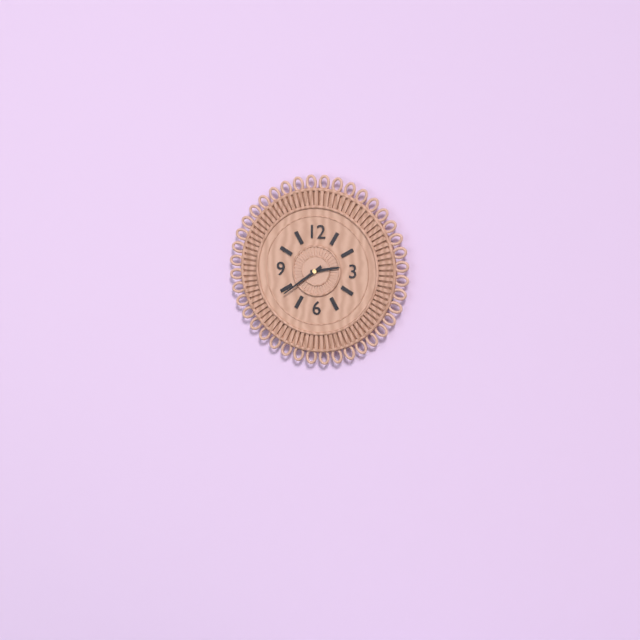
{"hour": 2, "minute": 39}
